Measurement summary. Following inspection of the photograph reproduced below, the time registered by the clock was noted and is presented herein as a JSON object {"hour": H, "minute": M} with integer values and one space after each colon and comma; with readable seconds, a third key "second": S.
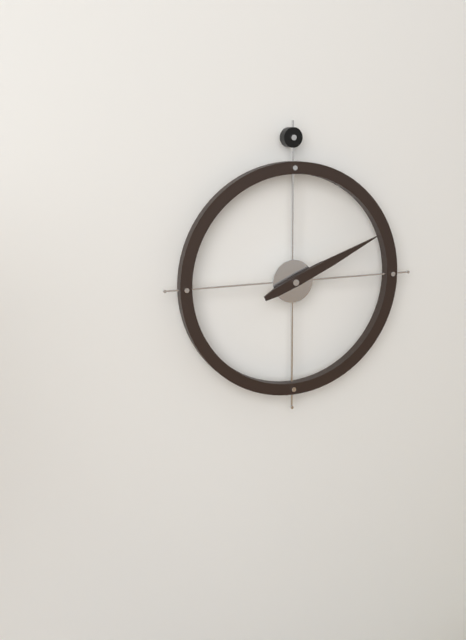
{"hour": 2, "minute": 11}
